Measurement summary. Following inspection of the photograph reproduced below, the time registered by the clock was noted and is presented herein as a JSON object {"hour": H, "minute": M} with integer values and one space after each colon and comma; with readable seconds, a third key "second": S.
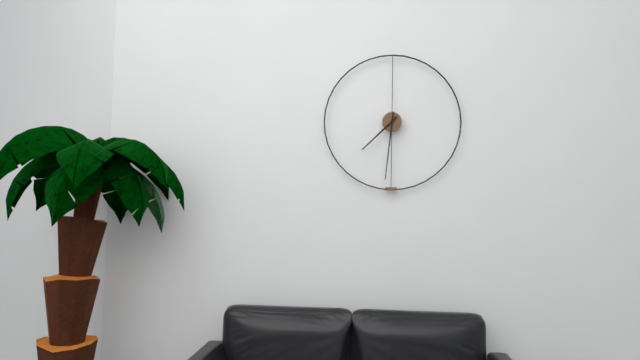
{"hour": 7, "minute": 31}
